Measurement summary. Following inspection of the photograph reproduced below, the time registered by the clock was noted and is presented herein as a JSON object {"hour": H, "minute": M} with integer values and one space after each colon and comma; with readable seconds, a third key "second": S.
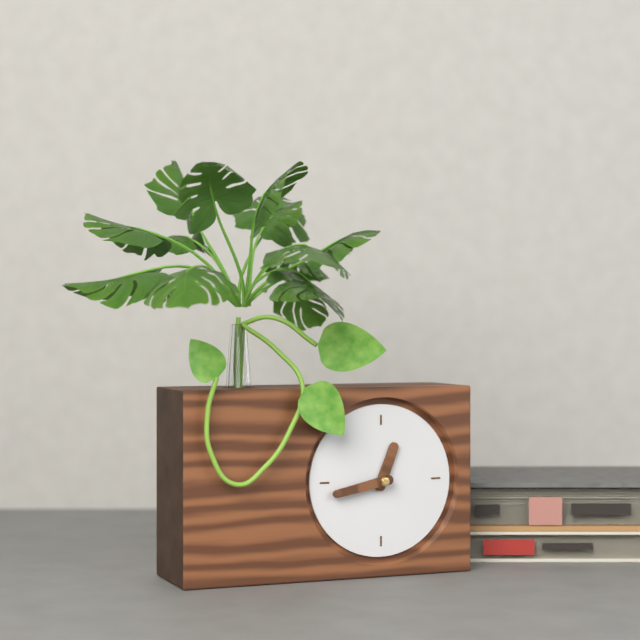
{"hour": 12, "minute": 43}
